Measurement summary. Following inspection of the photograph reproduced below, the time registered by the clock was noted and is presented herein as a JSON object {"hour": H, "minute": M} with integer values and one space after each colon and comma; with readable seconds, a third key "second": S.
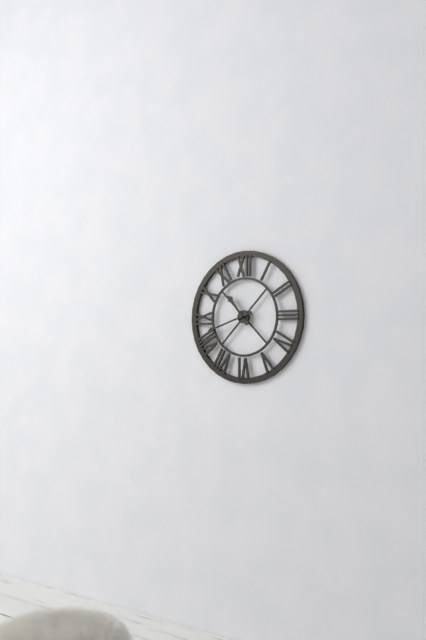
{"hour": 10, "minute": 42}
